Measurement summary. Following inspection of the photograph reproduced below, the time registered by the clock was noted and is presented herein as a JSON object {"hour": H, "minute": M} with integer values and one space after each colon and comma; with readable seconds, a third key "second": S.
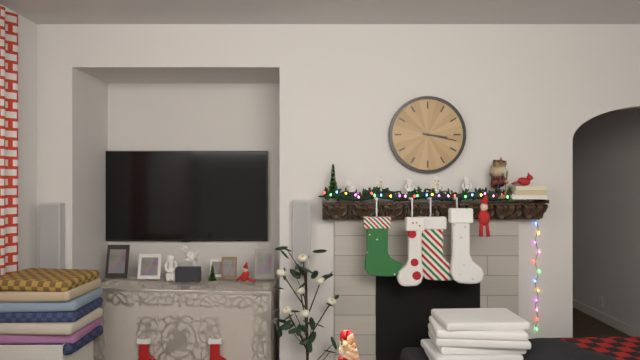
{"hour": 3, "minute": 17}
